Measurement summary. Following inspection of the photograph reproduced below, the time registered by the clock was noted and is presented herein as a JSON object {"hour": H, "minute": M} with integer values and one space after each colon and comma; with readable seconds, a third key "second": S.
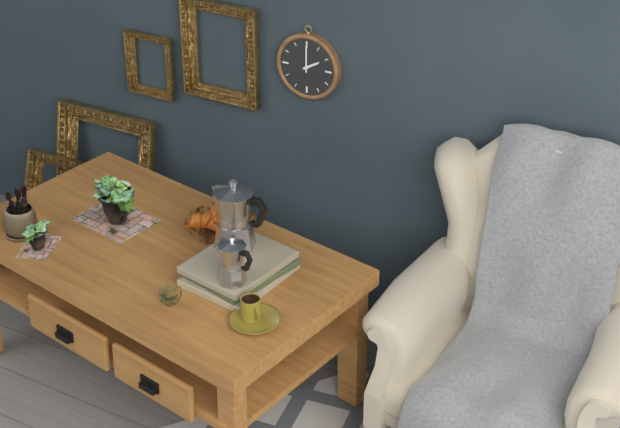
{"hour": 2, "minute": 0}
